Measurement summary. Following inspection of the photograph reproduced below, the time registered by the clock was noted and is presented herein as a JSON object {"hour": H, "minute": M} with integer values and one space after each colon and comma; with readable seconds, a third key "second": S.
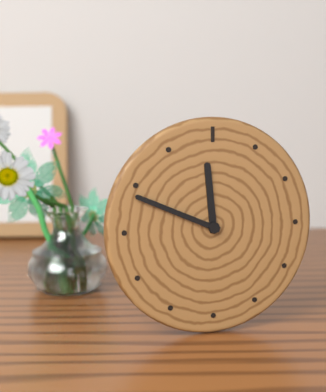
{"hour": 11, "minute": 49}
